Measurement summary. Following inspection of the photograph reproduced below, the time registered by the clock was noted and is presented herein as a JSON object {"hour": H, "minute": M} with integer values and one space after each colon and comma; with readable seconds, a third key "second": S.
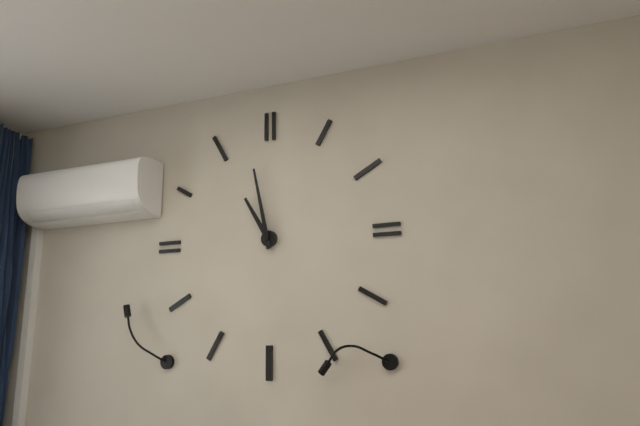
{"hour": 10, "minute": 58}
